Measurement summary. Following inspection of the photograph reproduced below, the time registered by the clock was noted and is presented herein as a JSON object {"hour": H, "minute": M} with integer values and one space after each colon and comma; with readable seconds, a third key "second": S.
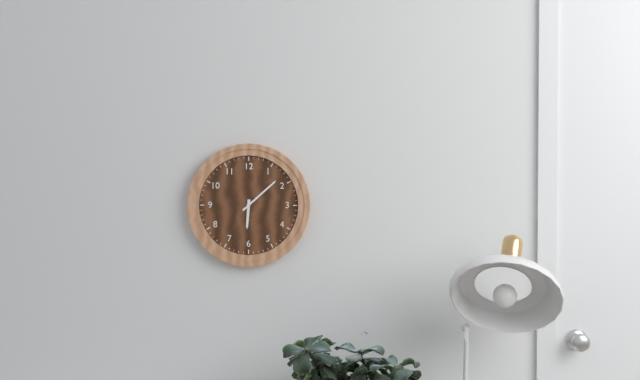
{"hour": 6, "minute": 8}
